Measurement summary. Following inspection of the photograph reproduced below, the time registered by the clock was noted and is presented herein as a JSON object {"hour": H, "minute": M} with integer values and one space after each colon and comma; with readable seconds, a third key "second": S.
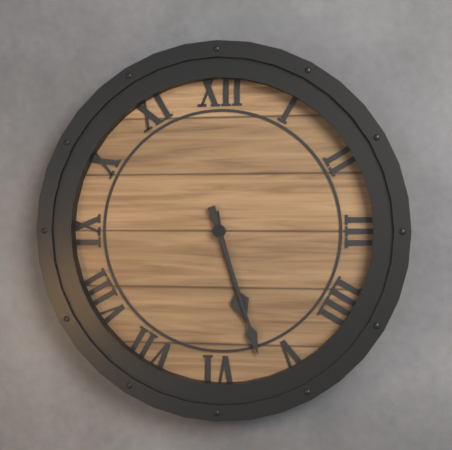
{"hour": 5, "minute": 27}
